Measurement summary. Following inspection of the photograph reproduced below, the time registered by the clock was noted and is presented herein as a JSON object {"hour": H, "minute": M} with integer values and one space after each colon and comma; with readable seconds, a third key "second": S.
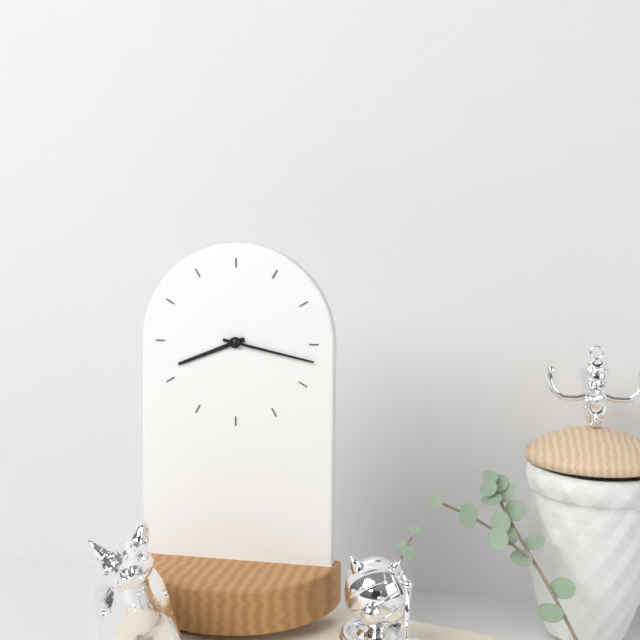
{"hour": 8, "minute": 17}
